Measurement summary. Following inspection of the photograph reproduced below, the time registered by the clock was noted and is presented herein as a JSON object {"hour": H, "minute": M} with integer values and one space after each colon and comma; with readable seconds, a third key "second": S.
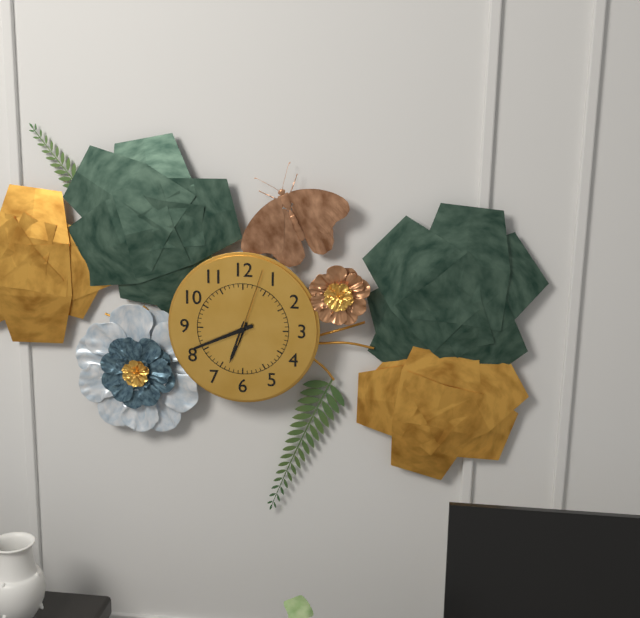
{"hour": 6, "minute": 41, "second": 3}
